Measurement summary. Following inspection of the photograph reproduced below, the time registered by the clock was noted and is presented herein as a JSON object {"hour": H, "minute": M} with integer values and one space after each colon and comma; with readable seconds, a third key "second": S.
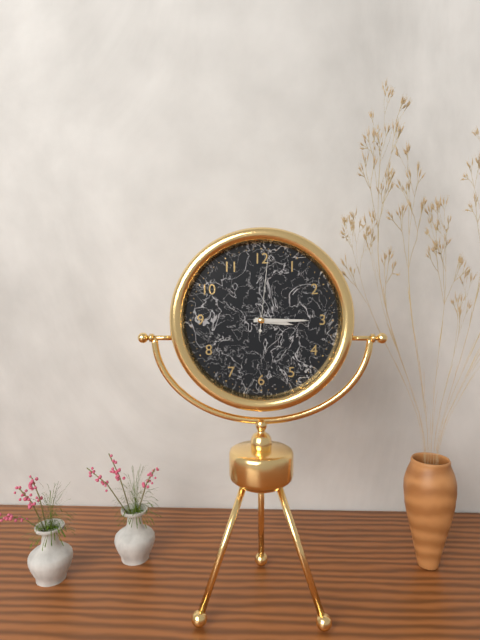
{"hour": 3, "minute": 15, "second": 1}
